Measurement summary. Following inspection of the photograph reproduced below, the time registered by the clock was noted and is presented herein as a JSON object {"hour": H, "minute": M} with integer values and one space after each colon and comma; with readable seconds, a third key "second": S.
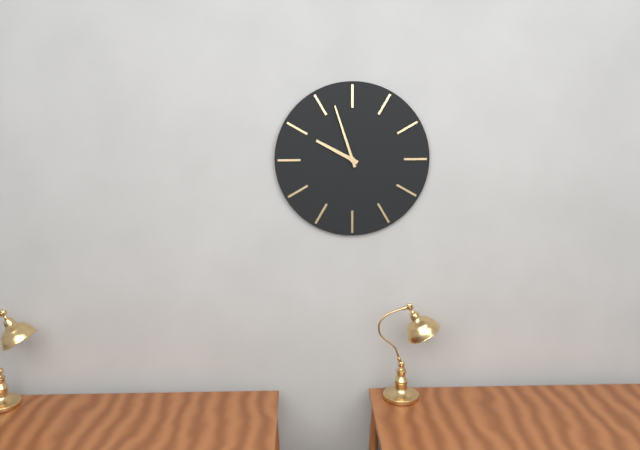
{"hour": 9, "minute": 57}
